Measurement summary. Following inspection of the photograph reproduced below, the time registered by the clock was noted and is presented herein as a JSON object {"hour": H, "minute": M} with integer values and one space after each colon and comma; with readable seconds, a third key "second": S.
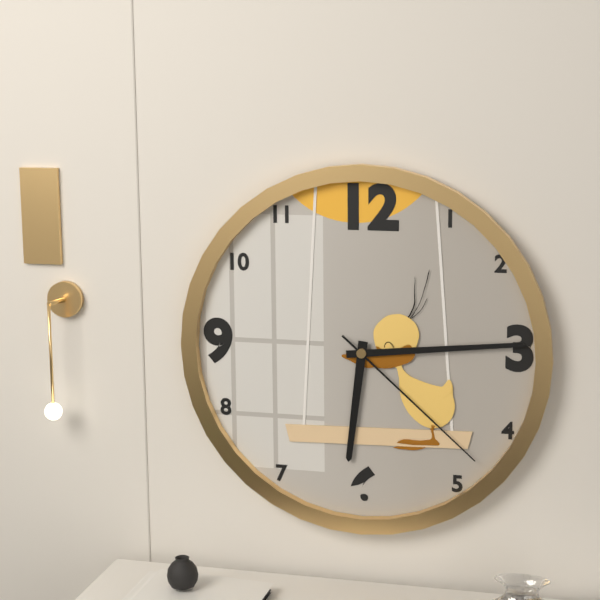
{"hour": 6, "minute": 14, "second": 22}
